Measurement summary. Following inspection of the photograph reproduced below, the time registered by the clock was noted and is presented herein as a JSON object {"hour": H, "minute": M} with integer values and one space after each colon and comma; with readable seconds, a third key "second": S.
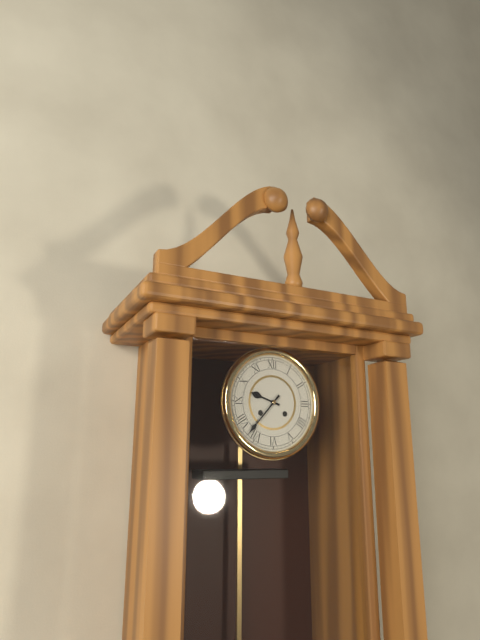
{"hour": 9, "minute": 37}
